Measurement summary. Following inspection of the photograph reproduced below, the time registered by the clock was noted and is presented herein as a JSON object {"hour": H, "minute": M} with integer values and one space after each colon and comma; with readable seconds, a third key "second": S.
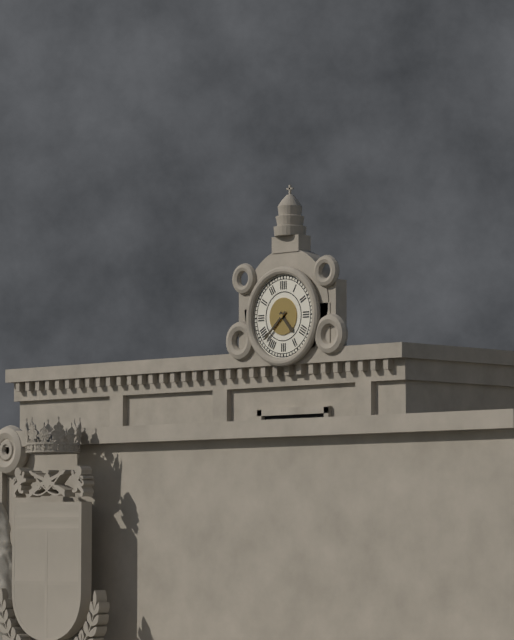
{"hour": 4, "minute": 38}
